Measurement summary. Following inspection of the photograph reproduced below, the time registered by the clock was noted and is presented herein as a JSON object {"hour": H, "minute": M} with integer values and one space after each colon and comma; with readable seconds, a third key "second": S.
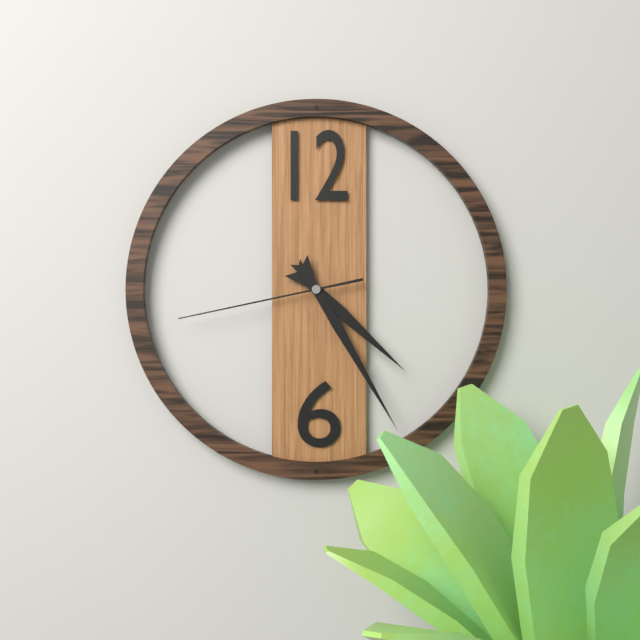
{"hour": 4, "minute": 25, "second": 43}
